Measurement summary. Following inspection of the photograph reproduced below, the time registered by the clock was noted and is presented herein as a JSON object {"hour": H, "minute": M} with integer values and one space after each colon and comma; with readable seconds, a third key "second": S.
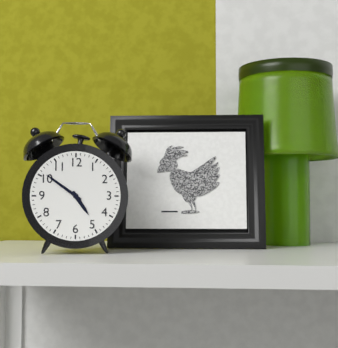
{"hour": 4, "minute": 51}
